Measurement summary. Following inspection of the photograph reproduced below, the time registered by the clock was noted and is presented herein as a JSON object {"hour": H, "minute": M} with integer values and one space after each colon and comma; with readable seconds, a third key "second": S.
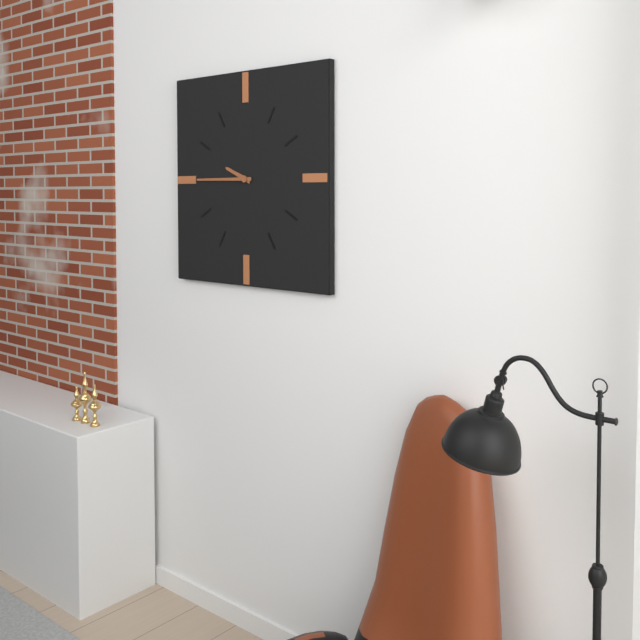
{"hour": 9, "minute": 45}
